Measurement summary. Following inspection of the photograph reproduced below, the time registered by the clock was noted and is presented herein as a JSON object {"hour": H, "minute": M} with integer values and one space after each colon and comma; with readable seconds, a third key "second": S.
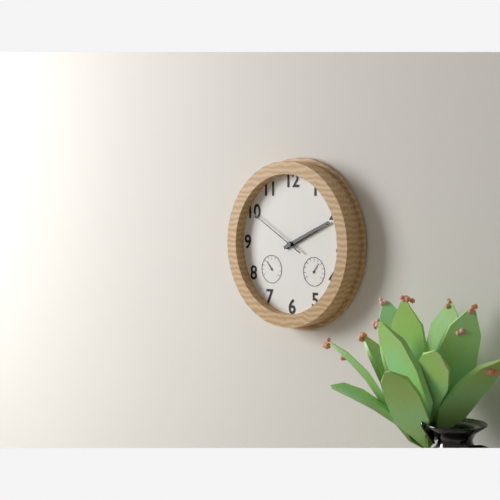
{"hour": 2, "minute": 11, "second": 50}
